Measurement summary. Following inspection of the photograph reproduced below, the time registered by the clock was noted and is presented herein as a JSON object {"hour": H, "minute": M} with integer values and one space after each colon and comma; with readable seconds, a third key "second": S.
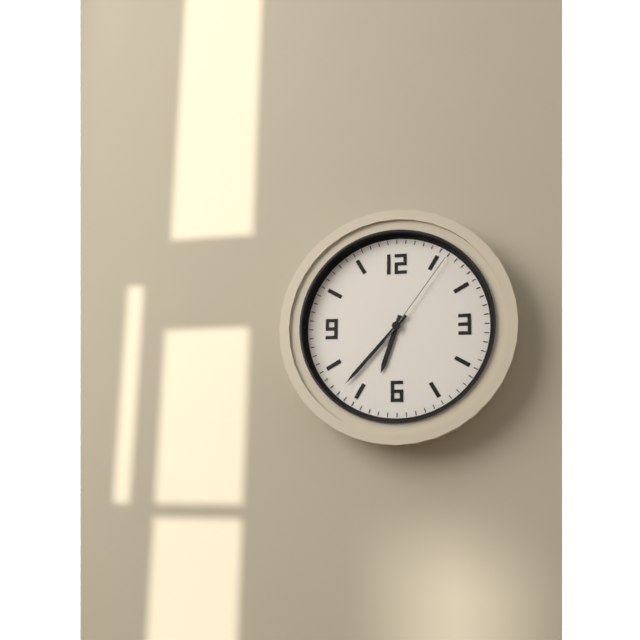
{"hour": 6, "minute": 37, "second": 6}
